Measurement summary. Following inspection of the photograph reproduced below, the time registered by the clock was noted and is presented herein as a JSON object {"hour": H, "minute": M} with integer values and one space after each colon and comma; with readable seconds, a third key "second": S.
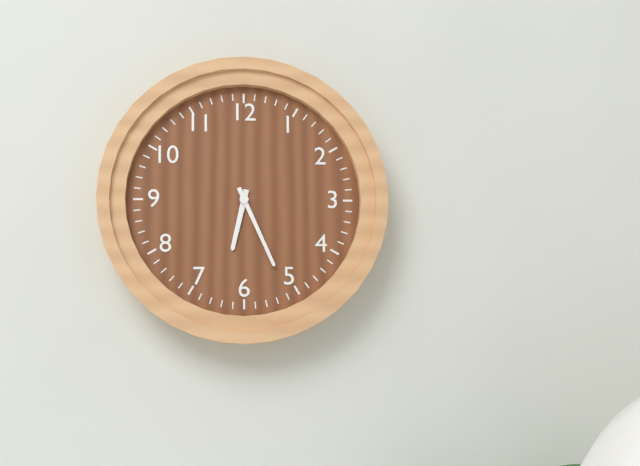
{"hour": 6, "minute": 26}
